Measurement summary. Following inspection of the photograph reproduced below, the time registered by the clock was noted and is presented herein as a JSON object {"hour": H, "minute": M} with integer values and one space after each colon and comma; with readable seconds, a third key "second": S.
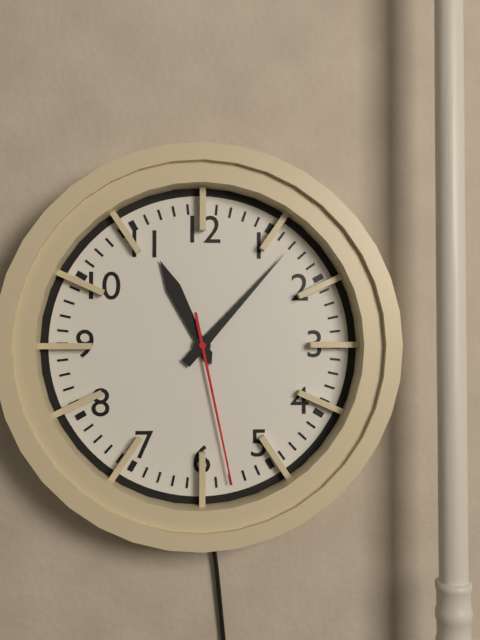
{"hour": 11, "minute": 7, "second": 28}
